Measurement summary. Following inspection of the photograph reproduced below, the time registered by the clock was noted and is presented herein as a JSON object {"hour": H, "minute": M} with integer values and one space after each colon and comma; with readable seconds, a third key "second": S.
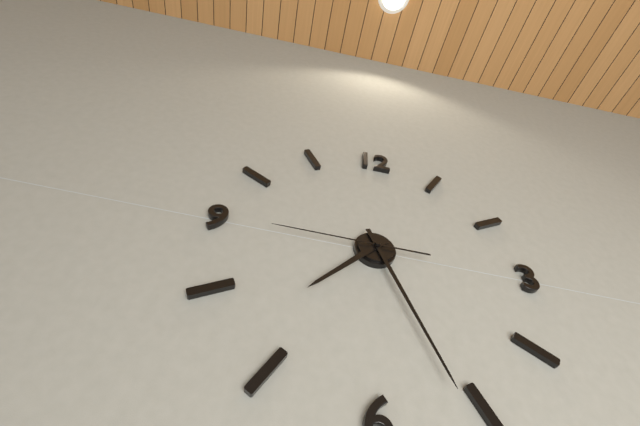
{"hour": 7, "minute": 26, "second": 45}
